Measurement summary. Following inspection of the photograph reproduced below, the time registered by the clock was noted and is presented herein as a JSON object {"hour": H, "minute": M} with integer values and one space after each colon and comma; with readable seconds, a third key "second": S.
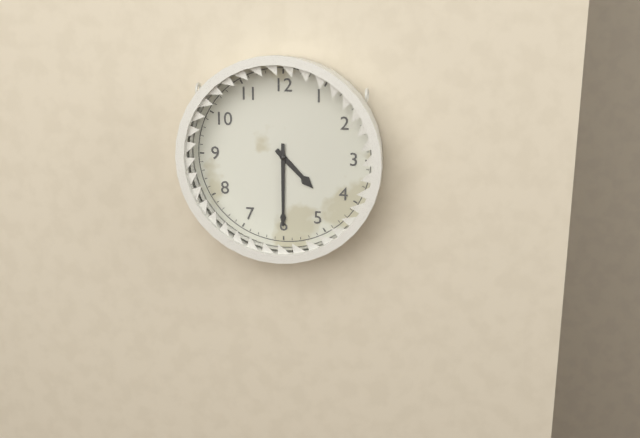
{"hour": 4, "minute": 30}
